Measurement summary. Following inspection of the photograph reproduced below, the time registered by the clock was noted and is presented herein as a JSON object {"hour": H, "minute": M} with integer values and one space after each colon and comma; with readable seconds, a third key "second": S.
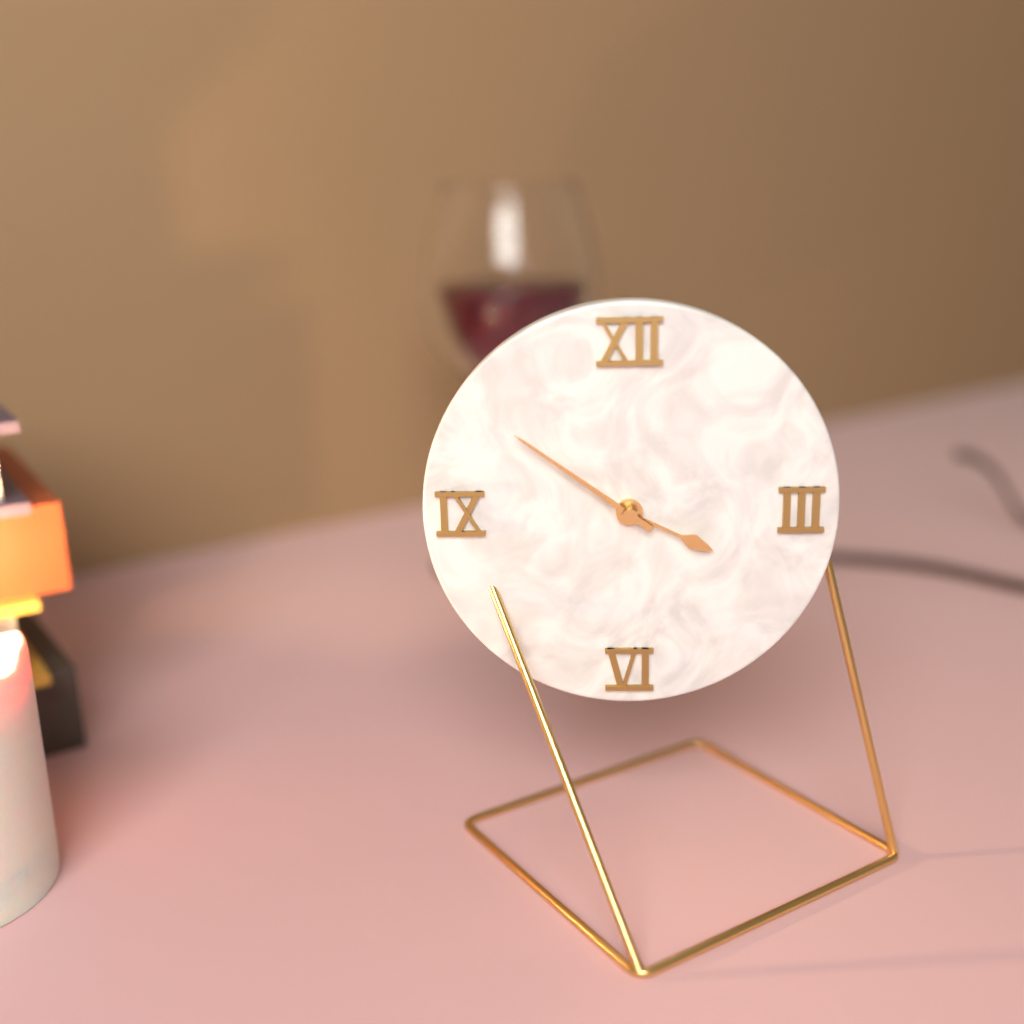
{"hour": 3, "minute": 51}
